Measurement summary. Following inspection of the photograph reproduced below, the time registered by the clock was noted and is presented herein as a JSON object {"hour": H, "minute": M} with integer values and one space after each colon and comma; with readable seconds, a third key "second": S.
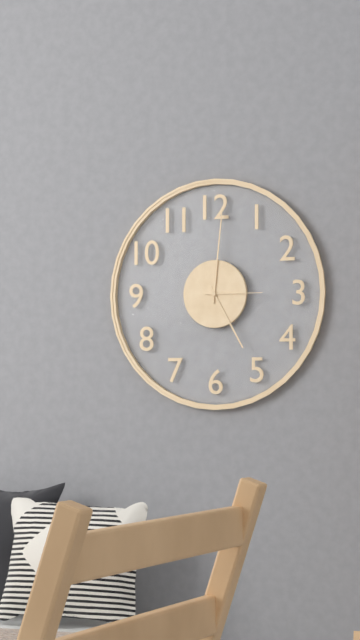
{"hour": 5, "minute": 1, "second": 15}
